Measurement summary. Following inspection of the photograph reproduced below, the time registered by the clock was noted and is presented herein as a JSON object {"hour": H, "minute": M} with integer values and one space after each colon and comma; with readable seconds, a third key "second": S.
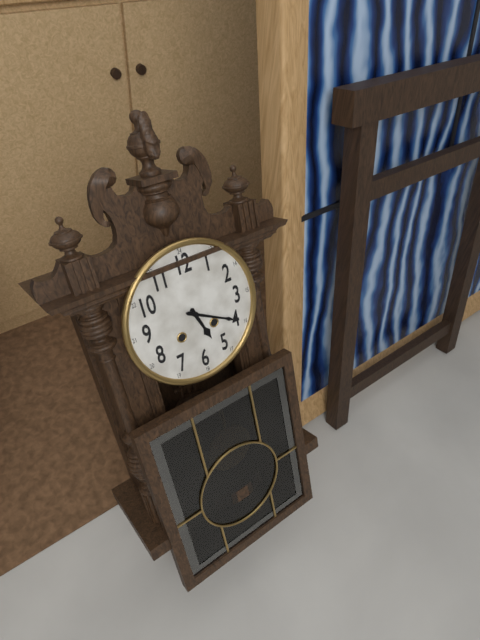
{"hour": 5, "minute": 20}
